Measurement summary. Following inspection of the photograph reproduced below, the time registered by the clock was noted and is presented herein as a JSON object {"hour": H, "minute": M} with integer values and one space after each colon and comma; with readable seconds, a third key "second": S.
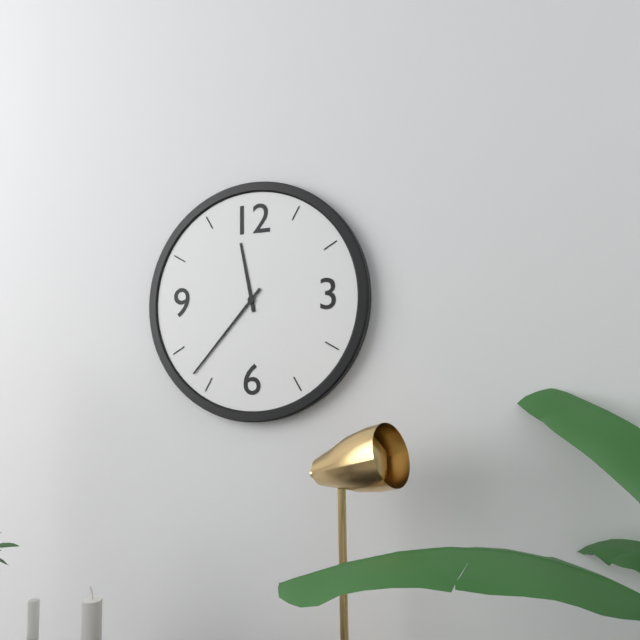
{"hour": 11, "minute": 37}
